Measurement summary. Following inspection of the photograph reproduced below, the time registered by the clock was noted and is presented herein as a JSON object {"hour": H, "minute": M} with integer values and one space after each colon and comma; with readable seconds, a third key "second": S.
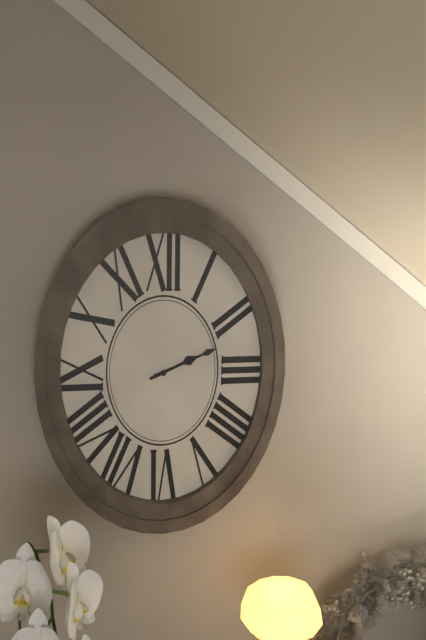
{"hour": 2, "minute": 11}
